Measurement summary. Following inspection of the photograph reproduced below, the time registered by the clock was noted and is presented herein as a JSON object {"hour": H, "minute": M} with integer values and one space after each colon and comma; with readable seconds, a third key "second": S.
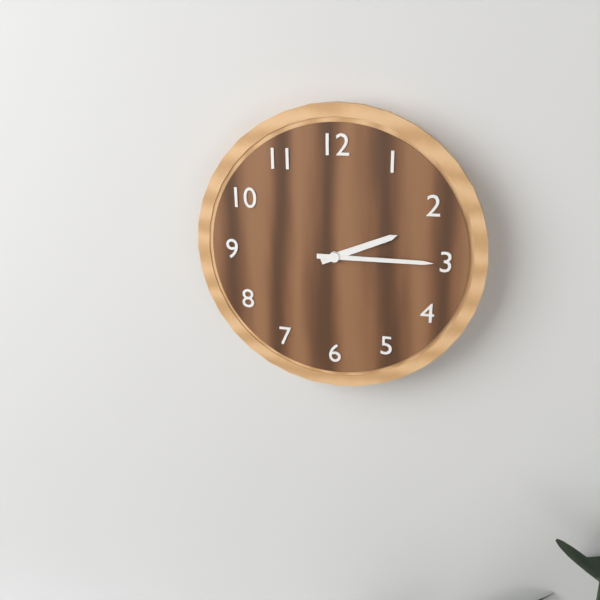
{"hour": 2, "minute": 15}
